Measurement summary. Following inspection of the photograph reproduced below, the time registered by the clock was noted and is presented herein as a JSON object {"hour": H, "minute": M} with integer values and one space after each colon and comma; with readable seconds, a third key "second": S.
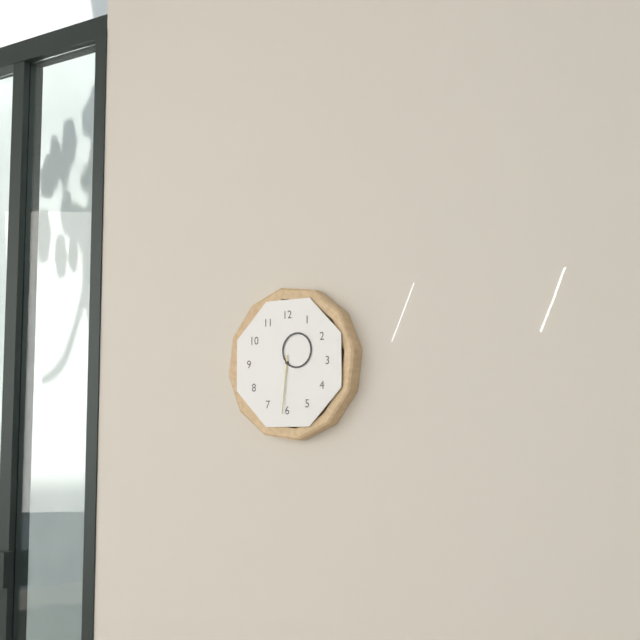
{"hour": 1, "minute": 31}
